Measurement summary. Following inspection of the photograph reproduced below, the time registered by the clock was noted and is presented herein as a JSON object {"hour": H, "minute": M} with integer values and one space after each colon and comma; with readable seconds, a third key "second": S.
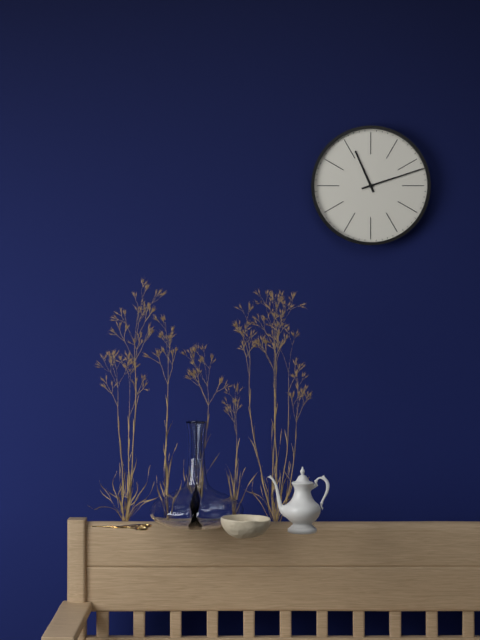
{"hour": 11, "minute": 12}
